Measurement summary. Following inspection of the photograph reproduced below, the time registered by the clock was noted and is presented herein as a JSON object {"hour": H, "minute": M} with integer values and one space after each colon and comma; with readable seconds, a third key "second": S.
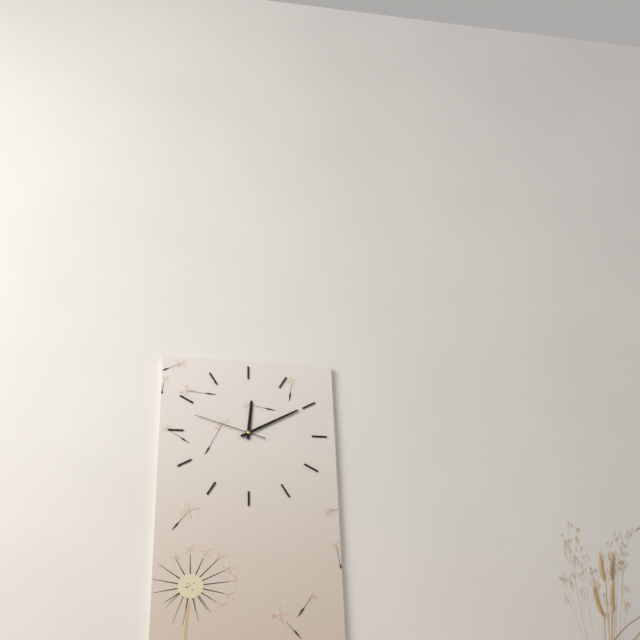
{"hour": 12, "minute": 10, "second": 48}
